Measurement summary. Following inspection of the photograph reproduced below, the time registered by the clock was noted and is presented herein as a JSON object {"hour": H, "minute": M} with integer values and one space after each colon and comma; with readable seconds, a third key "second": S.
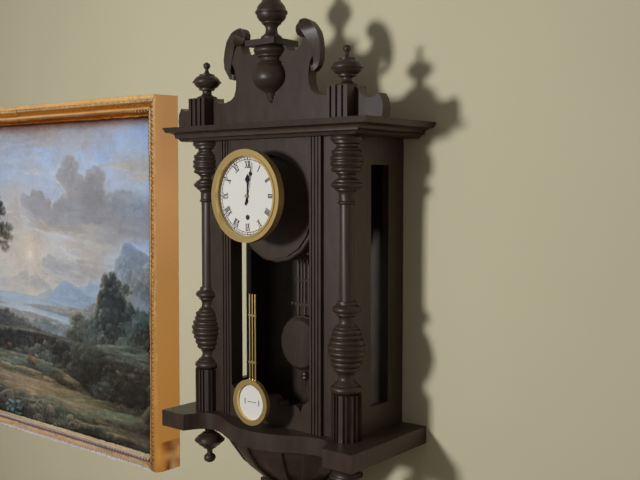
{"hour": 12, "minute": 2}
